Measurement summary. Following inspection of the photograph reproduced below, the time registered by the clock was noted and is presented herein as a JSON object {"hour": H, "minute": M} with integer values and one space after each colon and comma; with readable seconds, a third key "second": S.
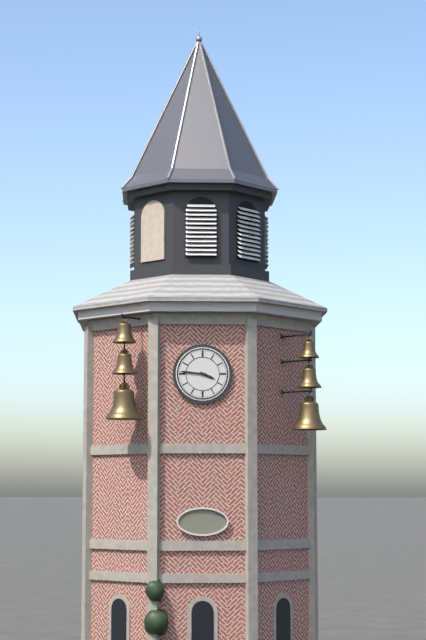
{"hour": 3, "minute": 46}
